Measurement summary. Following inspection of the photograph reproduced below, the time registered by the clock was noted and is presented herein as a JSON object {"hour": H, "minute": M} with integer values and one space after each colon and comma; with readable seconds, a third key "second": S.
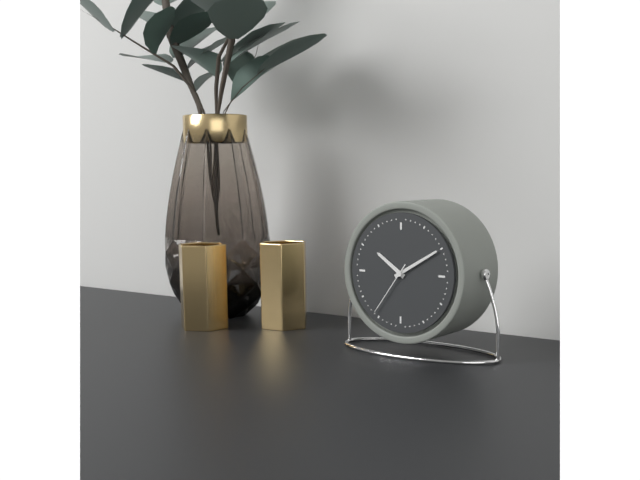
{"hour": 10, "minute": 10, "second": 36}
